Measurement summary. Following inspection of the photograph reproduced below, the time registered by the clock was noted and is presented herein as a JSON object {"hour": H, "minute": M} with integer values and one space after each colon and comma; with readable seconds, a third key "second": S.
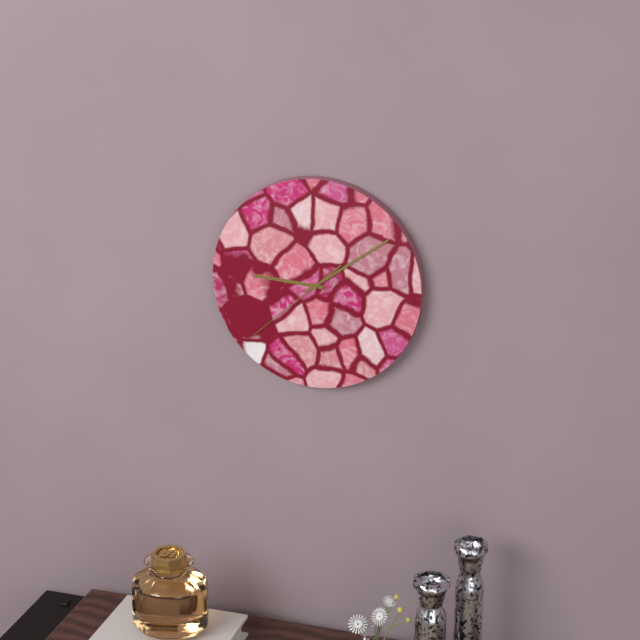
{"hour": 9, "minute": 9, "second": 38}
